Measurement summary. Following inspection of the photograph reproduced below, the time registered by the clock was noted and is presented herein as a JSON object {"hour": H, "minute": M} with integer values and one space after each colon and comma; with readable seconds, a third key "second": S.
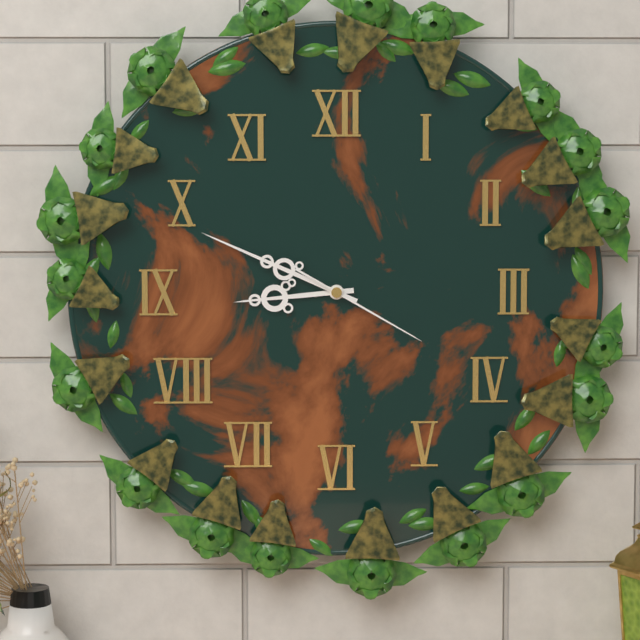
{"hour": 8, "minute": 49, "second": 20}
